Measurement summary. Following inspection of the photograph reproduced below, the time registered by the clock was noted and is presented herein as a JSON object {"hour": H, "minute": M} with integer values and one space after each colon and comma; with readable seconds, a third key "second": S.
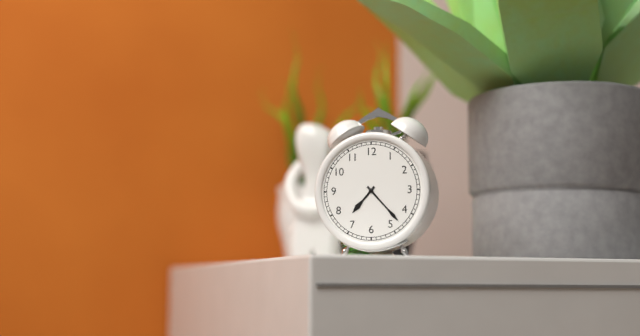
{"hour": 7, "minute": 23}
